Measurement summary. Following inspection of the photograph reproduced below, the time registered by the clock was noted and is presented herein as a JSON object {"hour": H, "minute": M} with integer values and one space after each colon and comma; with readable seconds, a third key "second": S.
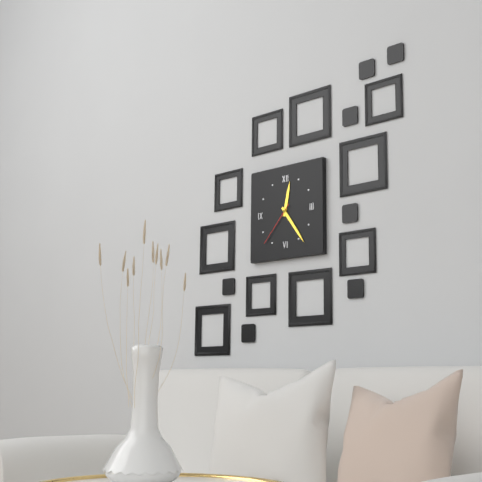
{"hour": 12, "minute": 24}
